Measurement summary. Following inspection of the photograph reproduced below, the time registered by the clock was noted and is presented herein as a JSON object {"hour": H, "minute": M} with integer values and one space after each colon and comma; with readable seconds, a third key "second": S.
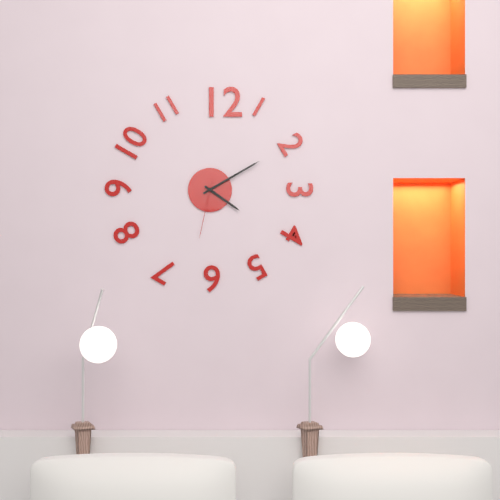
{"hour": 4, "minute": 10, "second": 32}
